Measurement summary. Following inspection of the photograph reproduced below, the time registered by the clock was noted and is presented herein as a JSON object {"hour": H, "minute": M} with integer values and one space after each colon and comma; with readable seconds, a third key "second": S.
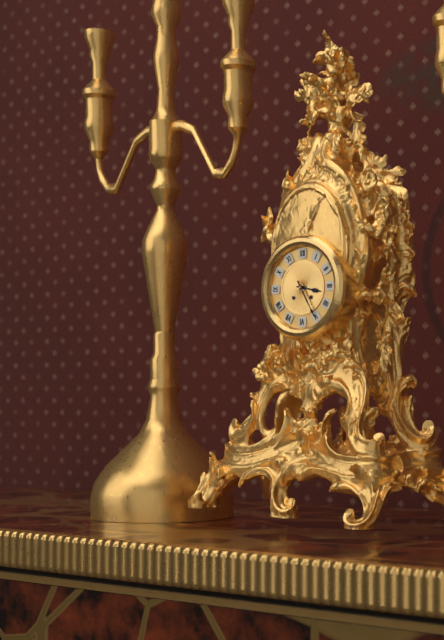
{"hour": 3, "minute": 25}
